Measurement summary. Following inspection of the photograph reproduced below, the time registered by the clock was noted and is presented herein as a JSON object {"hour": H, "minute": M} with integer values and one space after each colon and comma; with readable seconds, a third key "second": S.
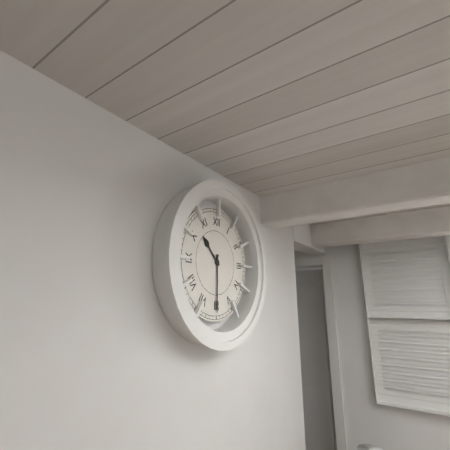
{"hour": 10, "minute": 30}
